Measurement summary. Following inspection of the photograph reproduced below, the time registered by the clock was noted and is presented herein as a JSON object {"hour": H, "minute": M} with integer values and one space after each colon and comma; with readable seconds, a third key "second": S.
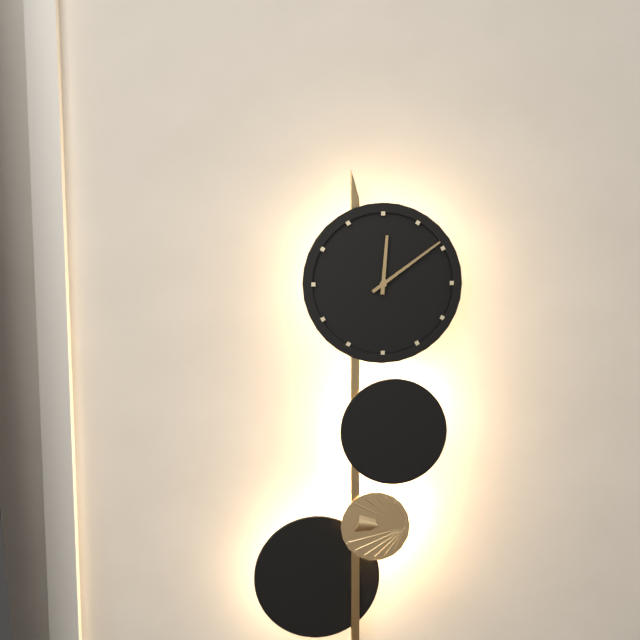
{"hour": 12, "minute": 9}
